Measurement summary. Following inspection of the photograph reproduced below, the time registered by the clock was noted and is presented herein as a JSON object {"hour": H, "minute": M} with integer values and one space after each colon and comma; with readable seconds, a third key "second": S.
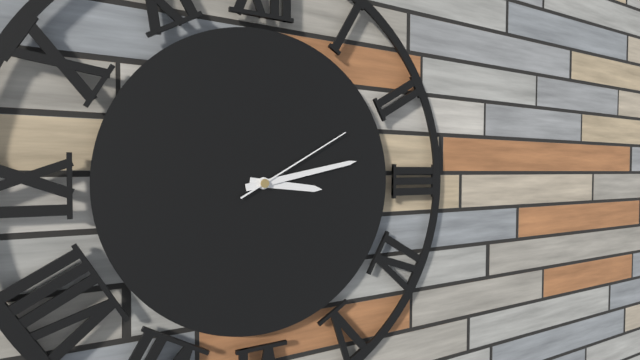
{"hour": 3, "minute": 13, "second": 10}
